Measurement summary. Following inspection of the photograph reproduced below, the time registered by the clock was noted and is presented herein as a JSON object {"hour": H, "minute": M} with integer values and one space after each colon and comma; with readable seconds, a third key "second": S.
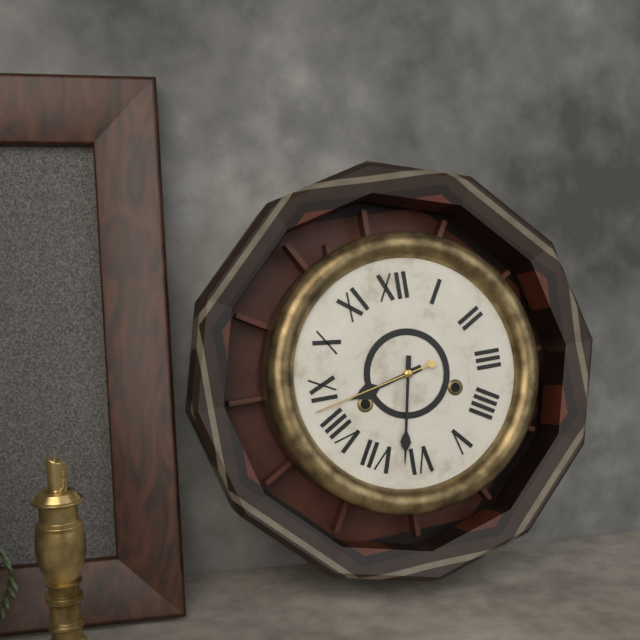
{"hour": 8, "minute": 32, "second": 43}
